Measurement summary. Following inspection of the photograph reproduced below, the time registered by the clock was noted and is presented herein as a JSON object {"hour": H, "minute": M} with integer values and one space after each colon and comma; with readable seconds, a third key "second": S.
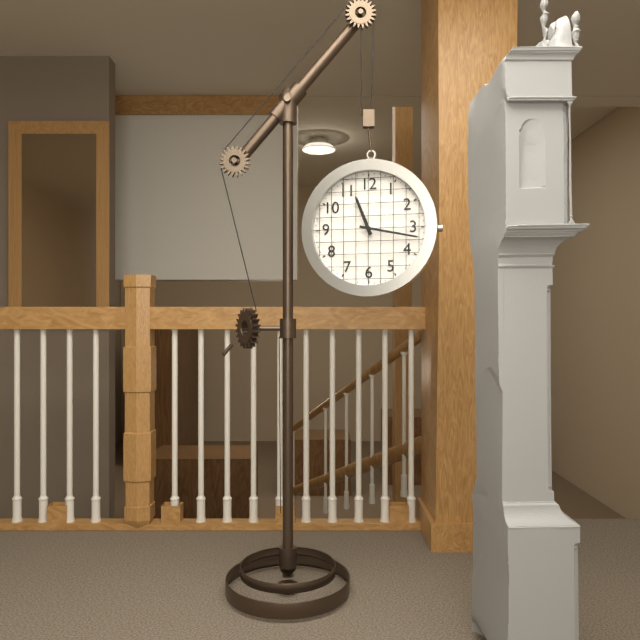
{"hour": 11, "minute": 17}
